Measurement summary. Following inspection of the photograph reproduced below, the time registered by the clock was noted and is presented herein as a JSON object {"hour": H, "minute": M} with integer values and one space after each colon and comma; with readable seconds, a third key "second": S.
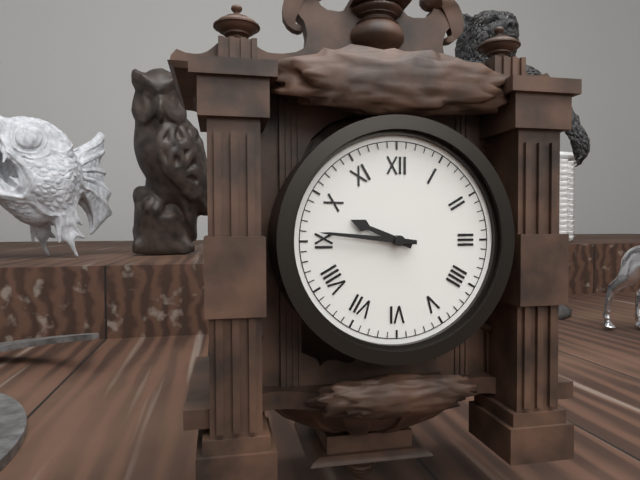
{"hour": 9, "minute": 46}
